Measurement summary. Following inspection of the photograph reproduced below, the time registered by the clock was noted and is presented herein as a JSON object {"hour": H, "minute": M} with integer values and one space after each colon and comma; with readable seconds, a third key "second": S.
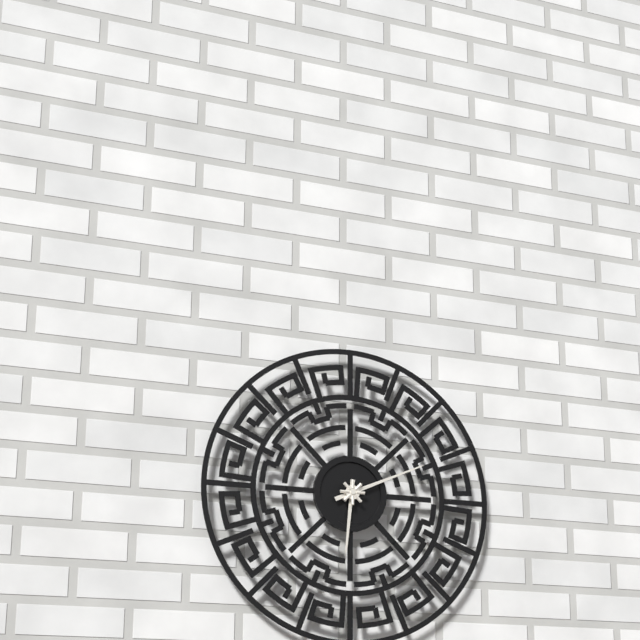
{"hour": 6, "minute": 11}
